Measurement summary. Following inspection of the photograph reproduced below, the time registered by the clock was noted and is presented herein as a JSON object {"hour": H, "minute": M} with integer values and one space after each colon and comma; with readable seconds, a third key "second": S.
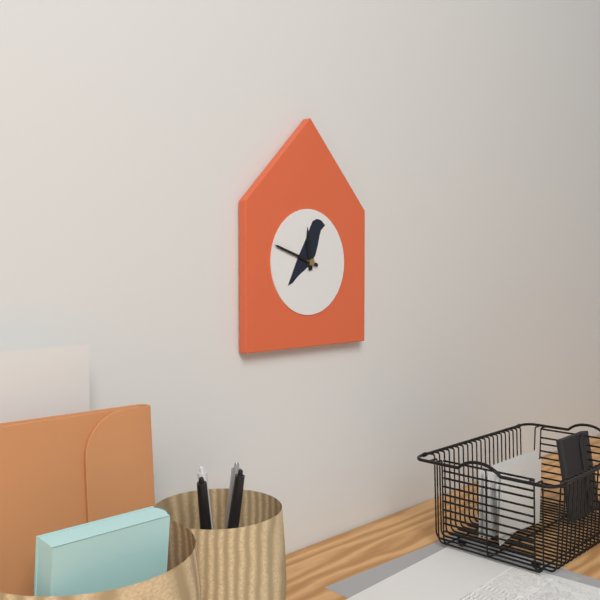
{"hour": 11, "minute": 48}
